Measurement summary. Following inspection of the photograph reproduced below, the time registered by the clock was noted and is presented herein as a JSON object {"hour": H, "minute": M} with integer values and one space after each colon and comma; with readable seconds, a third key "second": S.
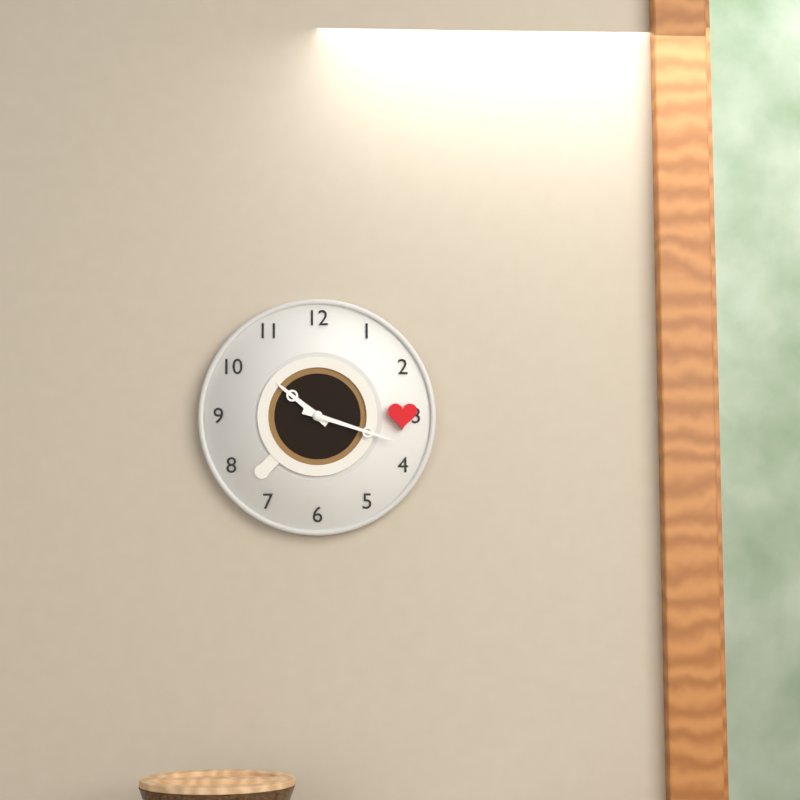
{"hour": 10, "minute": 18}
